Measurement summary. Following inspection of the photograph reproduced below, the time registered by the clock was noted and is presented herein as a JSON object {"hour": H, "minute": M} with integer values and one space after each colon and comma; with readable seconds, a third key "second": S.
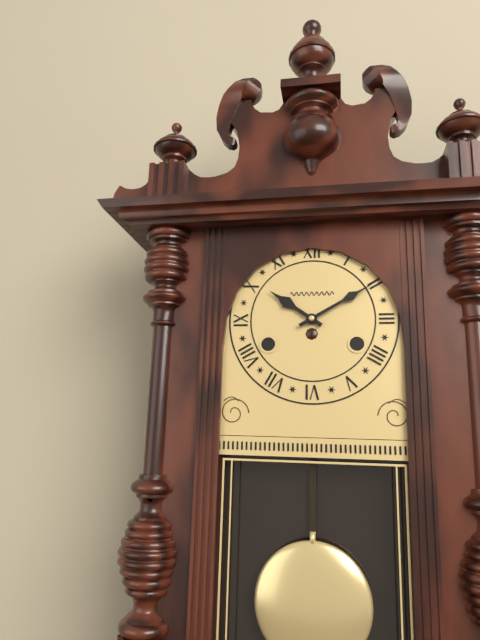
{"hour": 10, "minute": 10}
